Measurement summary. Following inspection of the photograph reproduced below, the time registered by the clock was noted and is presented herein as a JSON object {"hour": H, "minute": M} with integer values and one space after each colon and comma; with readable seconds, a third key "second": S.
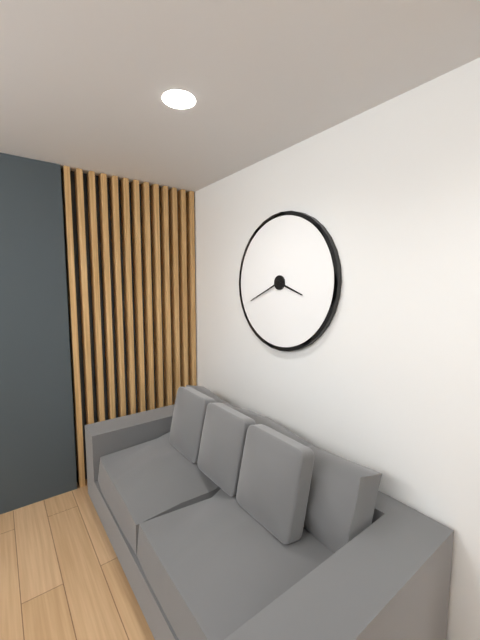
{"hour": 3, "minute": 41}
